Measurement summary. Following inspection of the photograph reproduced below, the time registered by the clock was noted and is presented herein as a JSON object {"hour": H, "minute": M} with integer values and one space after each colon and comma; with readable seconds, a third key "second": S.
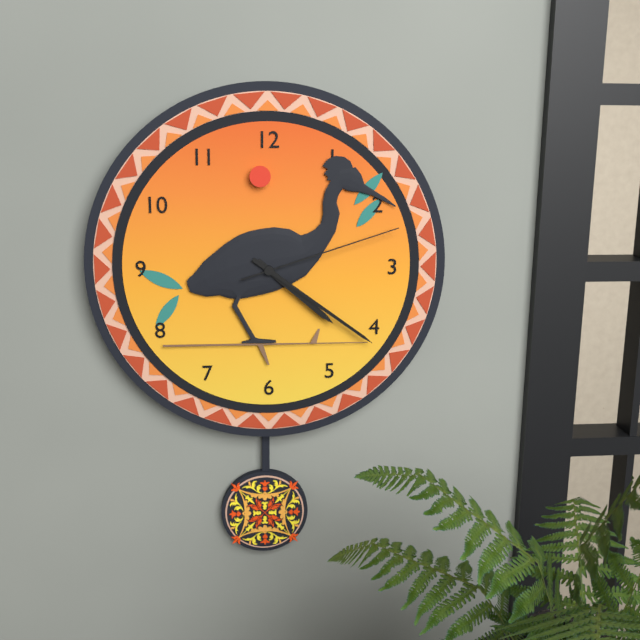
{"hour": 4, "minute": 21, "second": 12}
